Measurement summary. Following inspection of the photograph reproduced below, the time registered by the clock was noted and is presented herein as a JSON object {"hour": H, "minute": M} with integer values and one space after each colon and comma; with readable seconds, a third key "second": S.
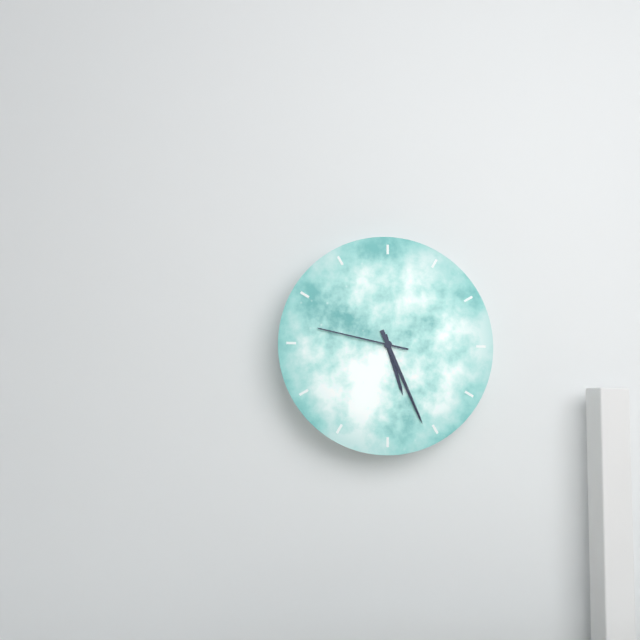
{"hour": 5, "minute": 26, "second": 47}
